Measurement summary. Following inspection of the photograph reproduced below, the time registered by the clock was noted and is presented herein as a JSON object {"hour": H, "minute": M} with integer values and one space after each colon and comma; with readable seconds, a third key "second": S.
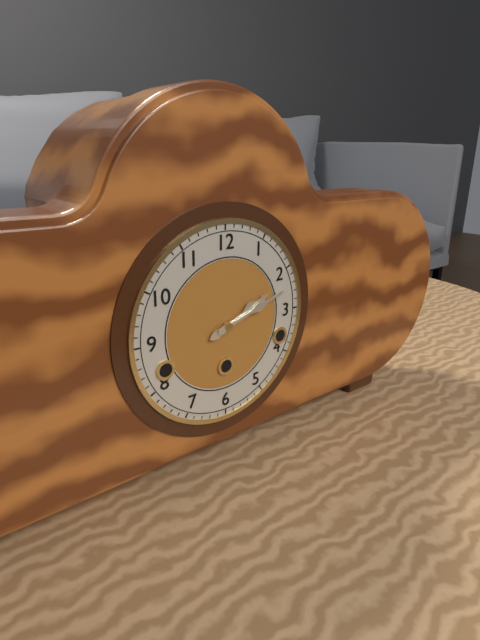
{"hour": 2, "minute": 12}
